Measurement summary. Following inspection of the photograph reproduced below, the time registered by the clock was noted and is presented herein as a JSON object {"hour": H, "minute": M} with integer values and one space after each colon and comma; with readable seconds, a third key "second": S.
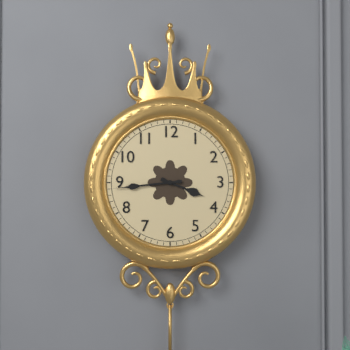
{"hour": 3, "minute": 44}
